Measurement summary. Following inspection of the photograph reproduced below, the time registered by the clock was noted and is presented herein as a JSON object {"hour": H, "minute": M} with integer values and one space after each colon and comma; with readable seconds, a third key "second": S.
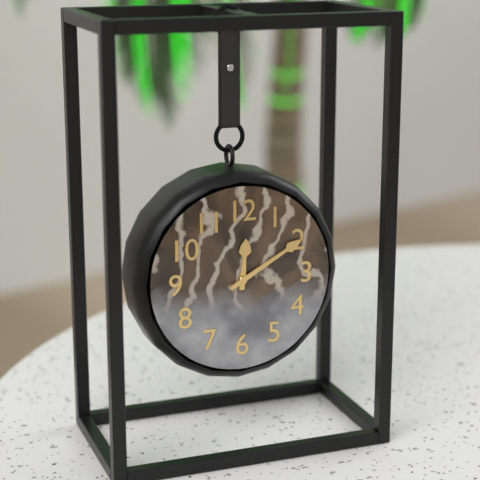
{"hour": 12, "minute": 10}
